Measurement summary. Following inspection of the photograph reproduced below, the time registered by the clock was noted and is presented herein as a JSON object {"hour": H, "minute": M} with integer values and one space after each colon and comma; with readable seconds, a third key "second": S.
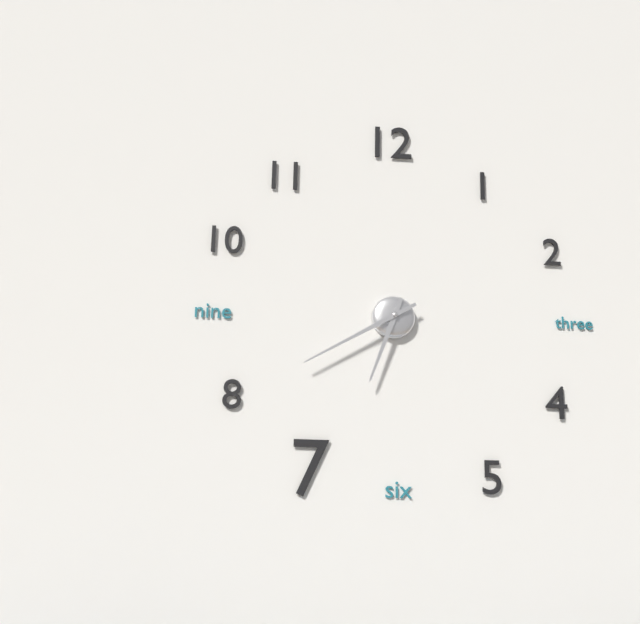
{"hour": 6, "minute": 40}
